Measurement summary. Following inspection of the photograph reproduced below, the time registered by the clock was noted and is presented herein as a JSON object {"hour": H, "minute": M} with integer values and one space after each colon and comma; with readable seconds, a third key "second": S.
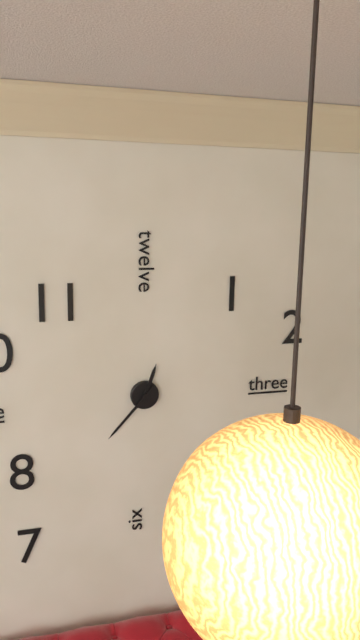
{"hour": 12, "minute": 37}
